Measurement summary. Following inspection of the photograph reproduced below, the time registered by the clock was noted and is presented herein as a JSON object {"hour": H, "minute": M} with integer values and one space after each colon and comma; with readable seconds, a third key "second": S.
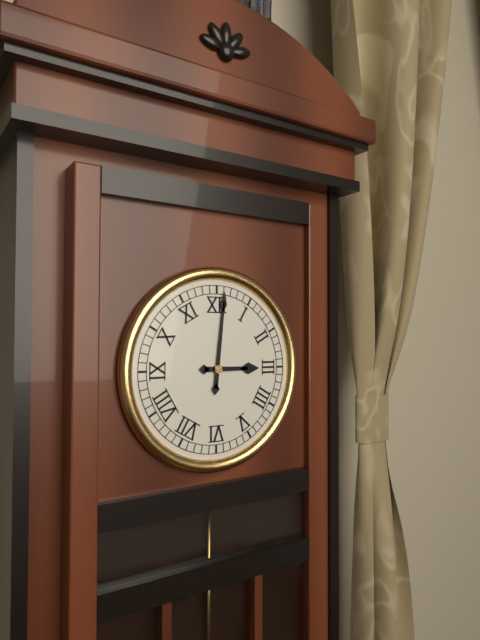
{"hour": 3, "minute": 1}
